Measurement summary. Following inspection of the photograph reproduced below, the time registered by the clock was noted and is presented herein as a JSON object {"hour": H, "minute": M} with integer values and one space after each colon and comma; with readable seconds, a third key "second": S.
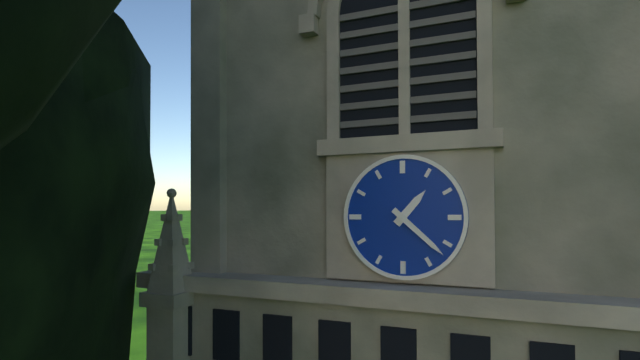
{"hour": 1, "minute": 22}
